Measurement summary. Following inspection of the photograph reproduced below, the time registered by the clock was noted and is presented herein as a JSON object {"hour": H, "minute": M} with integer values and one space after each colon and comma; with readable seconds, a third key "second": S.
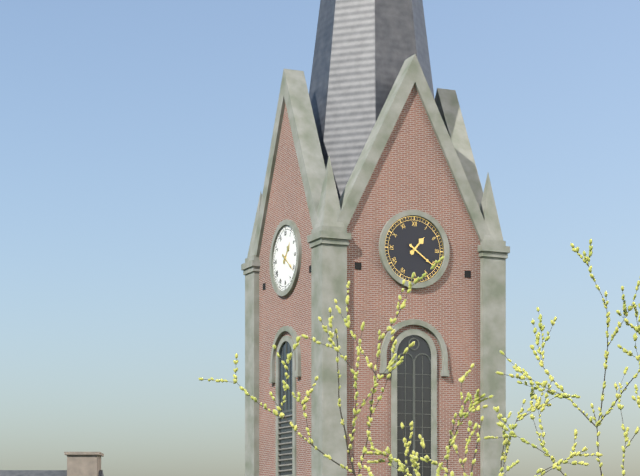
{"hour": 1, "minute": 21}
